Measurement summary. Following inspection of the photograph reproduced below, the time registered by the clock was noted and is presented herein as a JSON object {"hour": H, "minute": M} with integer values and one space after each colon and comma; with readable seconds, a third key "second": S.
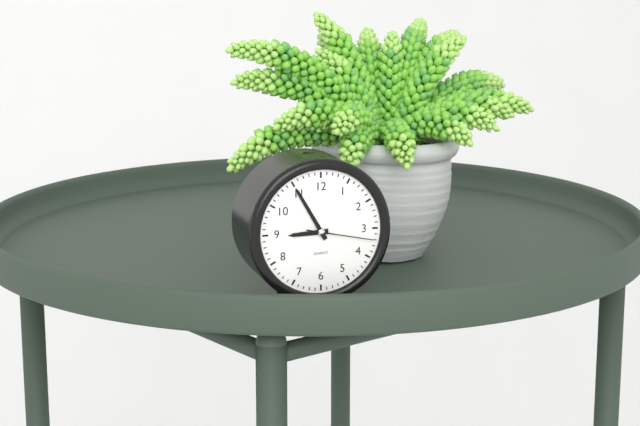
{"hour": 8, "minute": 55, "second": 17}
